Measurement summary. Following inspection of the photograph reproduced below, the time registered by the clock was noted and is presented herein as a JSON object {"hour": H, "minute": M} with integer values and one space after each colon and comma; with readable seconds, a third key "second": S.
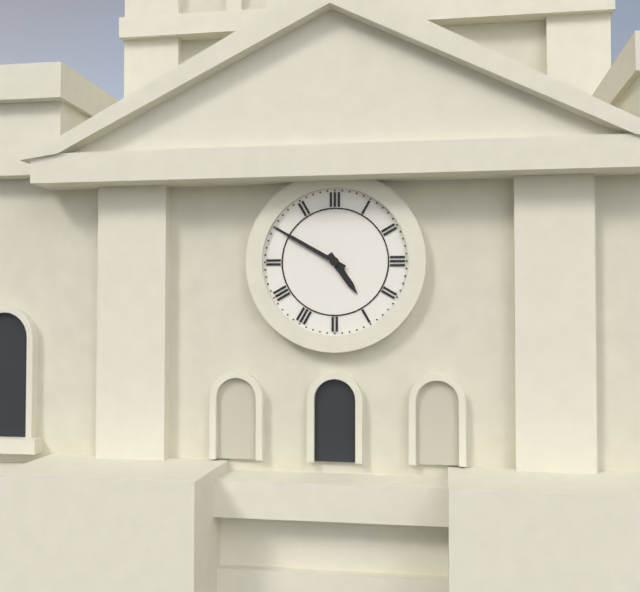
{"hour": 4, "minute": 50}
